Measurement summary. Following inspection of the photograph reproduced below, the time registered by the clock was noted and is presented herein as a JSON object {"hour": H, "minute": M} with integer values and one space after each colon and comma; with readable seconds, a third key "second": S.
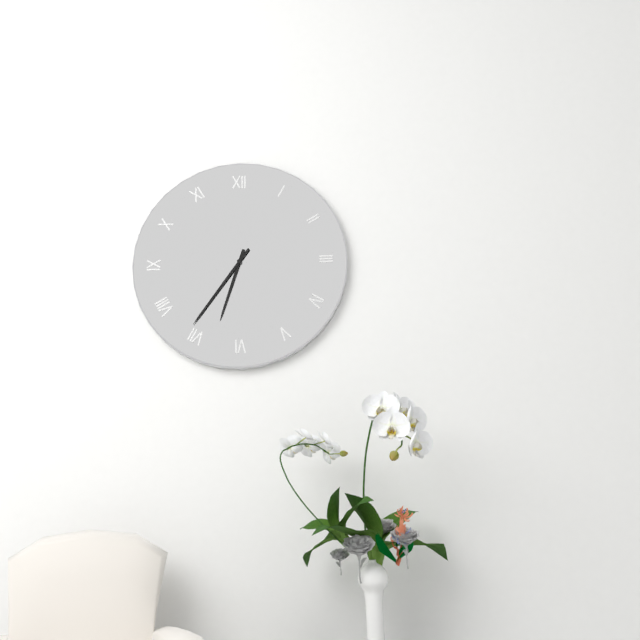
{"hour": 6, "minute": 36}
